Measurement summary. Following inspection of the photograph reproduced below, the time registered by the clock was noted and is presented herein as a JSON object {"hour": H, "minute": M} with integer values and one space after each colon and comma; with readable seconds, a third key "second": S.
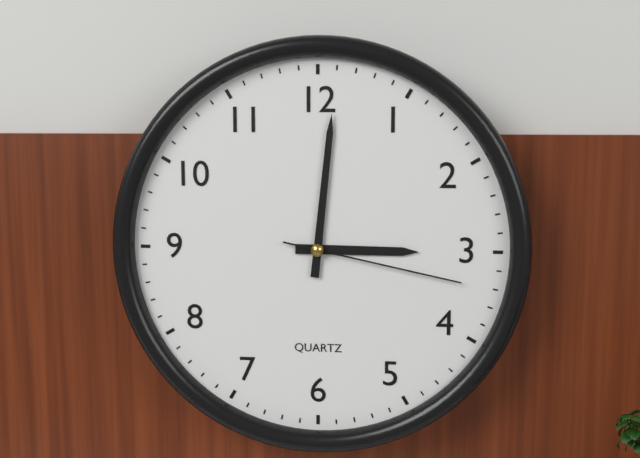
{"hour": 3, "minute": 1, "second": 17}
